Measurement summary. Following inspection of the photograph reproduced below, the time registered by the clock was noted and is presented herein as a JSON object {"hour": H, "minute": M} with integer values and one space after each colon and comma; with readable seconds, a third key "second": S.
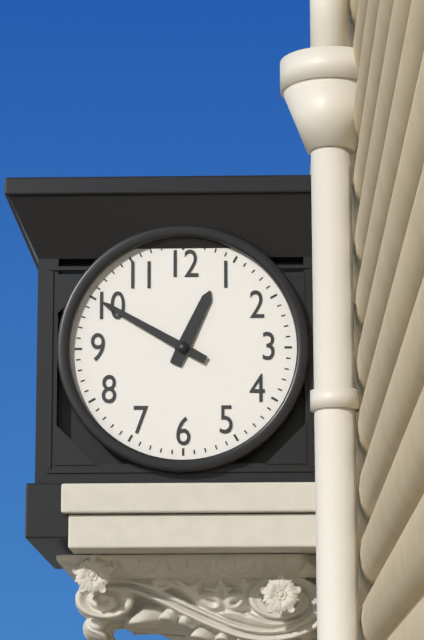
{"hour": 12, "minute": 50}
